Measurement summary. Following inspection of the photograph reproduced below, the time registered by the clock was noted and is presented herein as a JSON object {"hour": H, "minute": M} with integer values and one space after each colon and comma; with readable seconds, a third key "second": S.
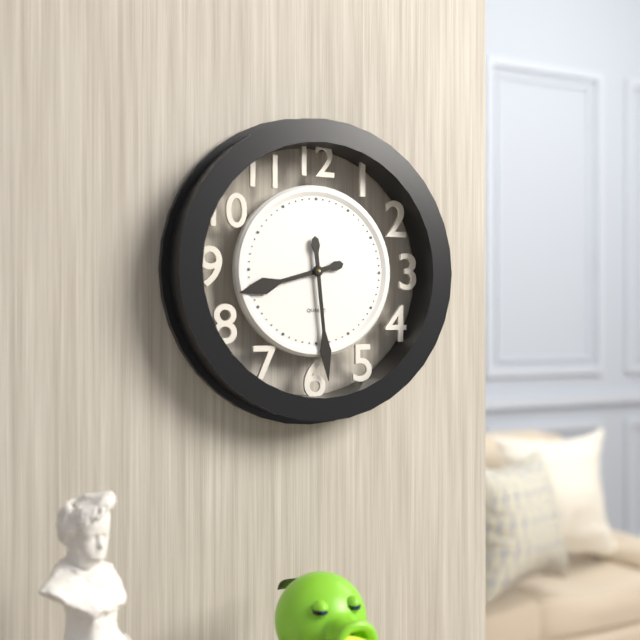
{"hour": 8, "minute": 29}
